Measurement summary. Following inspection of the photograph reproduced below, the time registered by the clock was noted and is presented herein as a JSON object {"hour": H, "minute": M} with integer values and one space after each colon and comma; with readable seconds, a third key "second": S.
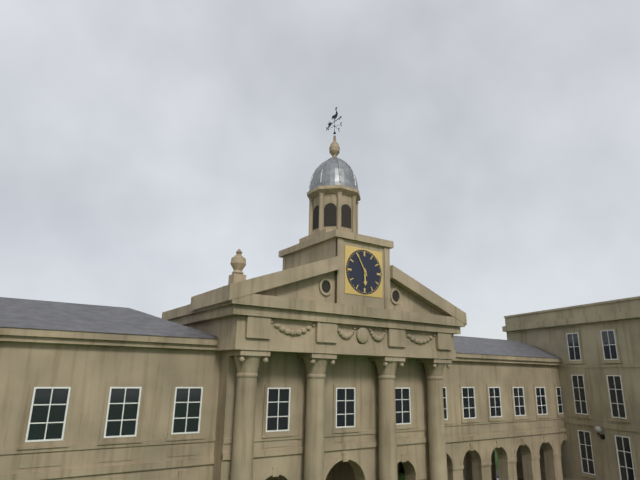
{"hour": 5, "minute": 55}
